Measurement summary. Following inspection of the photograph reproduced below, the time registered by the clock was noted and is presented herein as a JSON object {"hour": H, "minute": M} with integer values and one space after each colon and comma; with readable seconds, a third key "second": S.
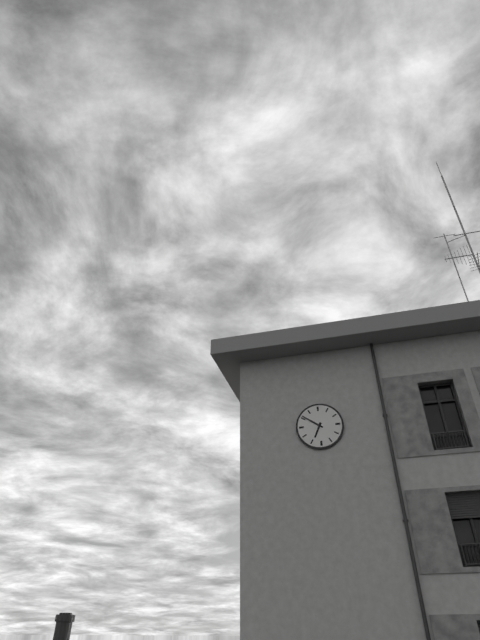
{"hour": 6, "minute": 51}
